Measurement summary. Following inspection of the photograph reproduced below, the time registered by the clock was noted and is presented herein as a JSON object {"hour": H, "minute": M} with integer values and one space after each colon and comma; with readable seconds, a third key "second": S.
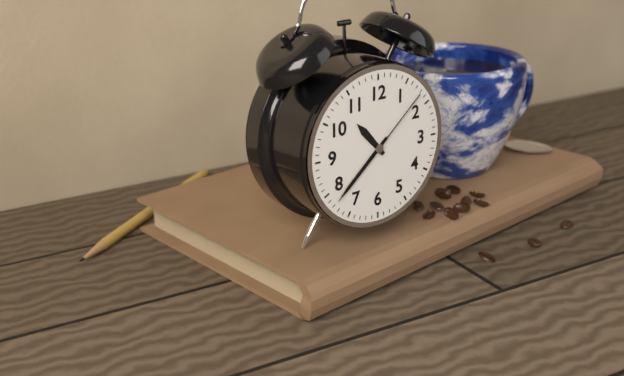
{"hour": 10, "minute": 38, "second": 8}
